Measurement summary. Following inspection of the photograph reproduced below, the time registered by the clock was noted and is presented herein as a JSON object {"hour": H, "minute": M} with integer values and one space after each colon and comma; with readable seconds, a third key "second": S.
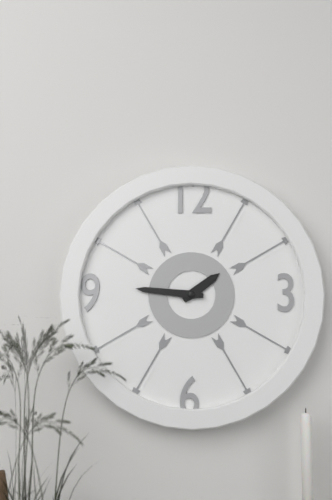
{"hour": 1, "minute": 46}
